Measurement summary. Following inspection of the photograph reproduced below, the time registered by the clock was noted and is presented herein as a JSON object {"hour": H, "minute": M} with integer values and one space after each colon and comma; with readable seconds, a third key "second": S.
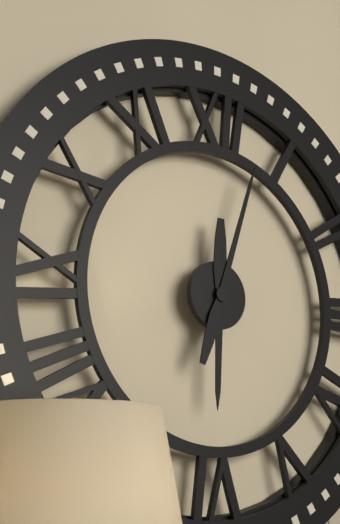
{"hour": 6, "minute": 3}
